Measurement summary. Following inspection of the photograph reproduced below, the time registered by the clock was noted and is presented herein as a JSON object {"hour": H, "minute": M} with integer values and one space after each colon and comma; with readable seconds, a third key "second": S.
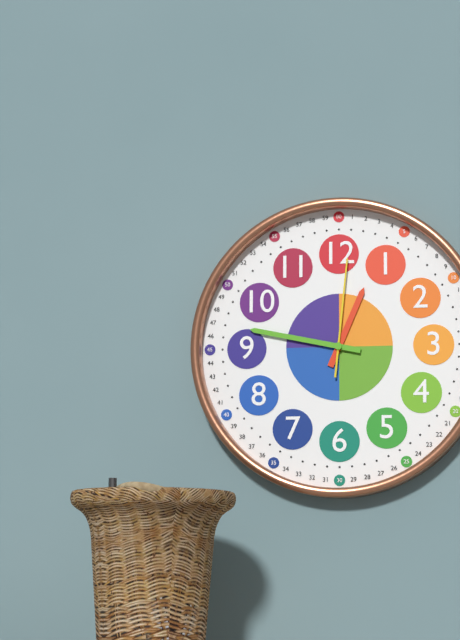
{"hour": 12, "minute": 47, "second": 1}
